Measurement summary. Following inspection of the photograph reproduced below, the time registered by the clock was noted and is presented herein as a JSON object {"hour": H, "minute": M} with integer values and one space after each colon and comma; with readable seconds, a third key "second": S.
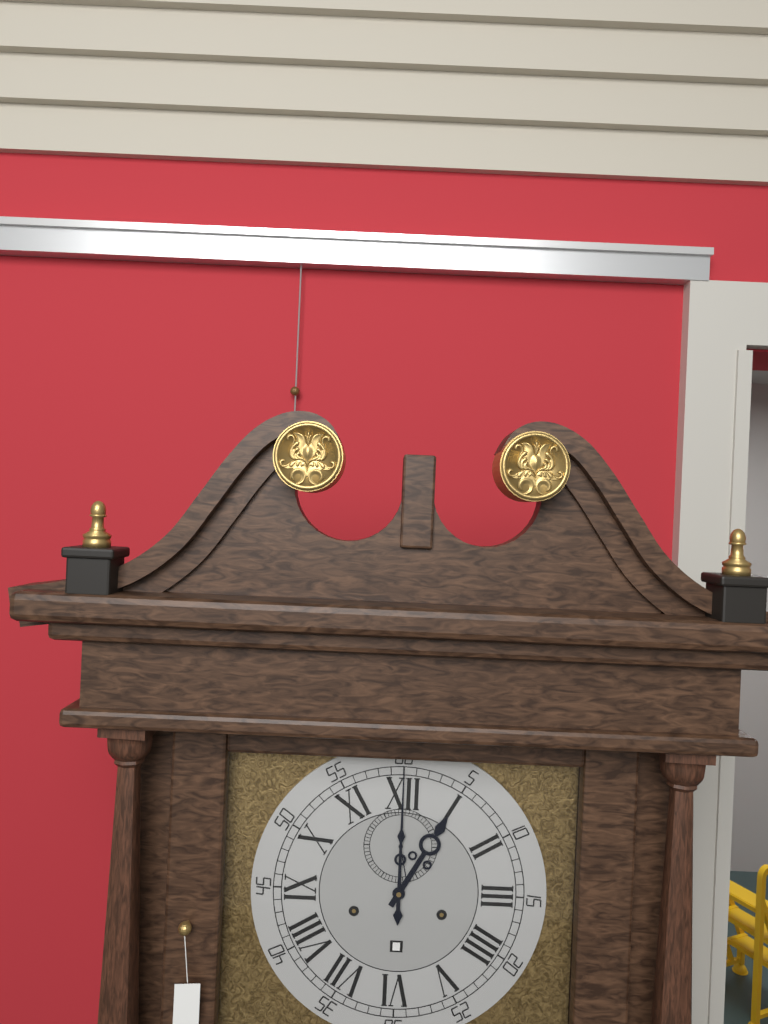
{"hour": 1, "minute": 0}
